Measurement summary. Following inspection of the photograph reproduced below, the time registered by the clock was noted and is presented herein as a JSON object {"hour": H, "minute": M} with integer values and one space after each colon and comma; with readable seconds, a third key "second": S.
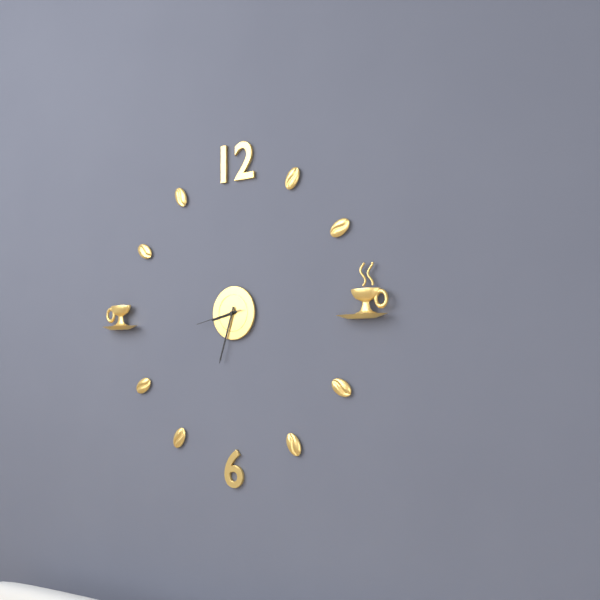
{"hour": 8, "minute": 33}
